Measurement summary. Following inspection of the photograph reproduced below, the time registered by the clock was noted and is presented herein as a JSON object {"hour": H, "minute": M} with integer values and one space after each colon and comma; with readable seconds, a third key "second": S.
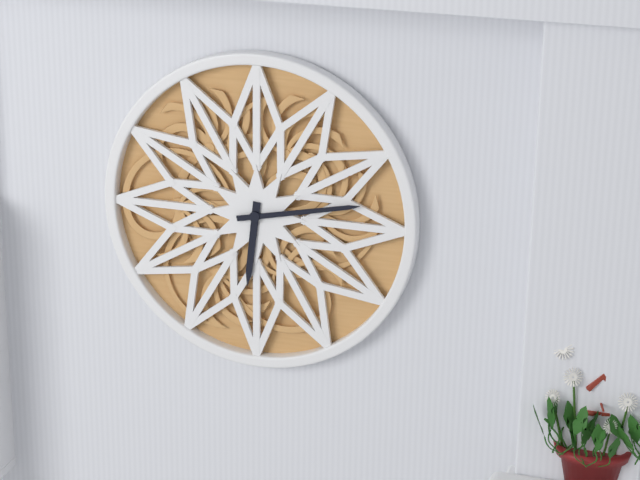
{"hour": 6, "minute": 13}
